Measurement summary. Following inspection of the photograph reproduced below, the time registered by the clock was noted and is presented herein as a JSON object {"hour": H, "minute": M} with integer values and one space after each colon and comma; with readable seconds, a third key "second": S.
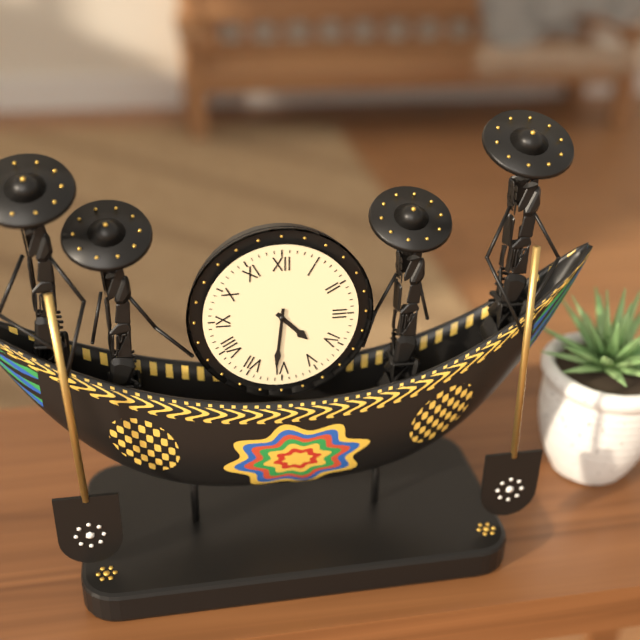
{"hour": 4, "minute": 31}
